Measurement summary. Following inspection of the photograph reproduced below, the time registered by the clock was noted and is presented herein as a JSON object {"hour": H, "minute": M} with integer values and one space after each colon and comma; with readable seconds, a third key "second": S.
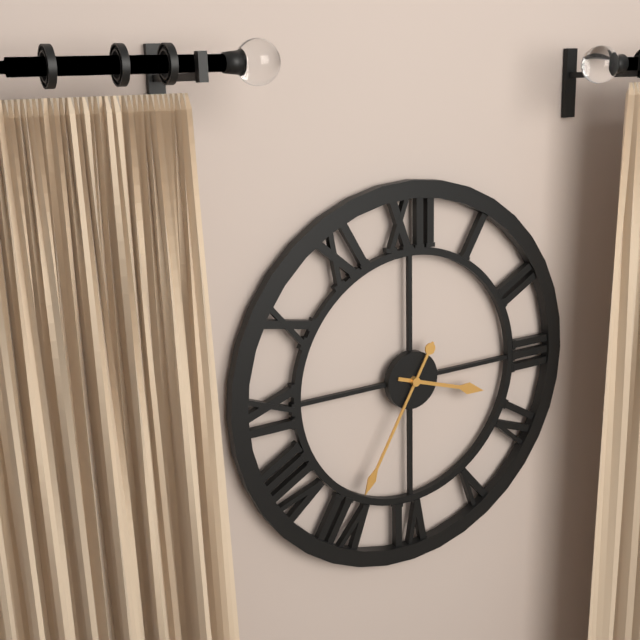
{"hour": 3, "minute": 35}
